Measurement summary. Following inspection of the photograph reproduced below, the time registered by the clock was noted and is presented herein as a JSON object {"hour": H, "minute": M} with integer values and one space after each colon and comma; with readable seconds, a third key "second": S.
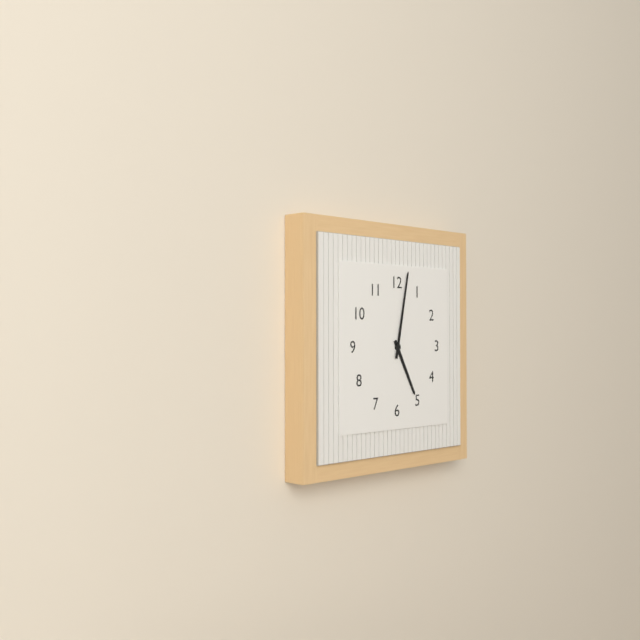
{"hour": 5, "minute": 2}
